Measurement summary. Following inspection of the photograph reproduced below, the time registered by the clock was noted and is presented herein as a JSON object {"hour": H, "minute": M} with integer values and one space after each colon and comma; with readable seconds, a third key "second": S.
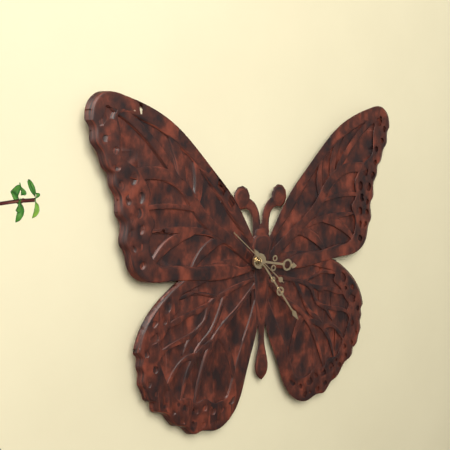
{"hour": 3, "minute": 24, "second": 52}
